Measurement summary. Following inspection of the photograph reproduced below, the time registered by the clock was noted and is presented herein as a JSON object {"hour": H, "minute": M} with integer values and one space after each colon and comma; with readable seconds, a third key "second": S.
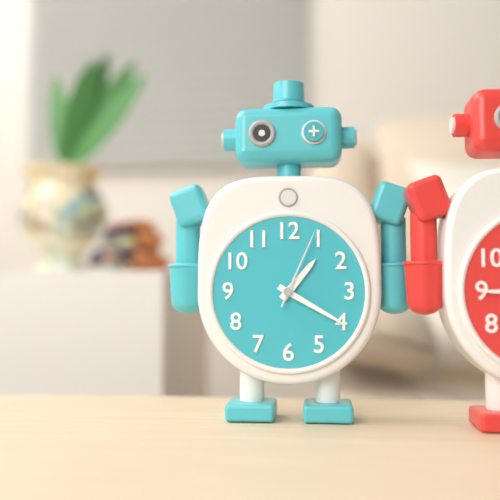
{"hour": 1, "minute": 20, "second": 4}
